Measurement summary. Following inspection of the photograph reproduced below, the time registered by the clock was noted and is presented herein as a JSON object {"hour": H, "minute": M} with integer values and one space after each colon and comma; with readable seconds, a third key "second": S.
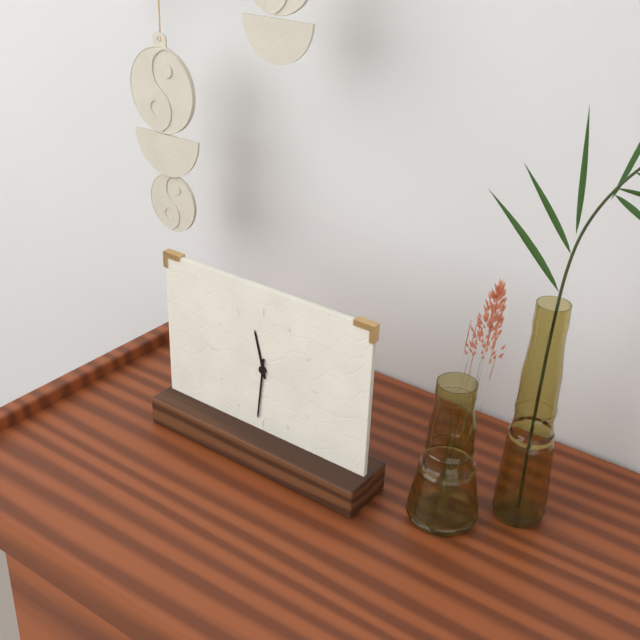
{"hour": 11, "minute": 31}
